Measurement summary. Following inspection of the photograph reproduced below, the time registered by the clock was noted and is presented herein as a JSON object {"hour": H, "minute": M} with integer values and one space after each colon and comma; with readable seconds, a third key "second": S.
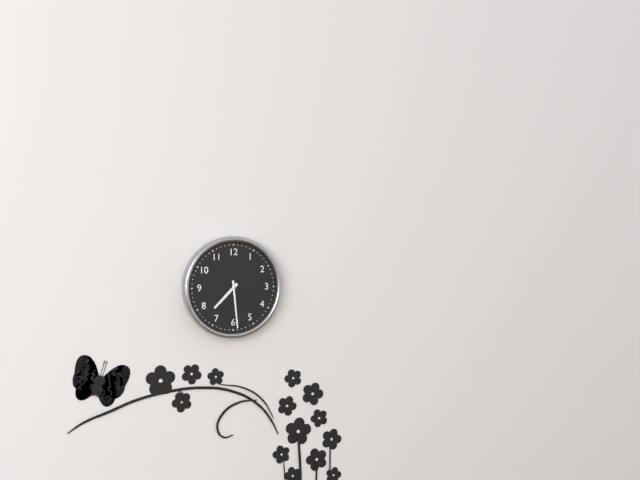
{"hour": 7, "minute": 29}
